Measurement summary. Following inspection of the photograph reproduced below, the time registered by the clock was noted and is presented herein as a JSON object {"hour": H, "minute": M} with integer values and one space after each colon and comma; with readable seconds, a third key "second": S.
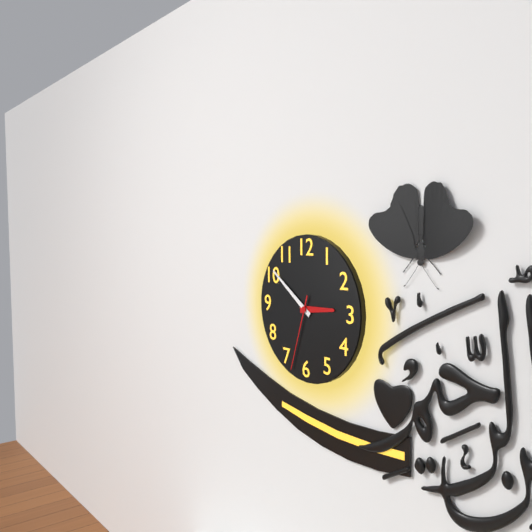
{"hour": 2, "minute": 51, "second": 33}
